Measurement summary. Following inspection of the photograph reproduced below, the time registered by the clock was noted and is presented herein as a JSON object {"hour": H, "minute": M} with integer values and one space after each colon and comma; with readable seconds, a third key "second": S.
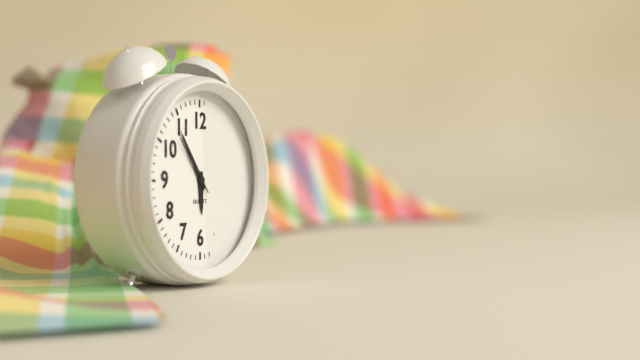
{"hour": 5, "minute": 54, "second": 53}
